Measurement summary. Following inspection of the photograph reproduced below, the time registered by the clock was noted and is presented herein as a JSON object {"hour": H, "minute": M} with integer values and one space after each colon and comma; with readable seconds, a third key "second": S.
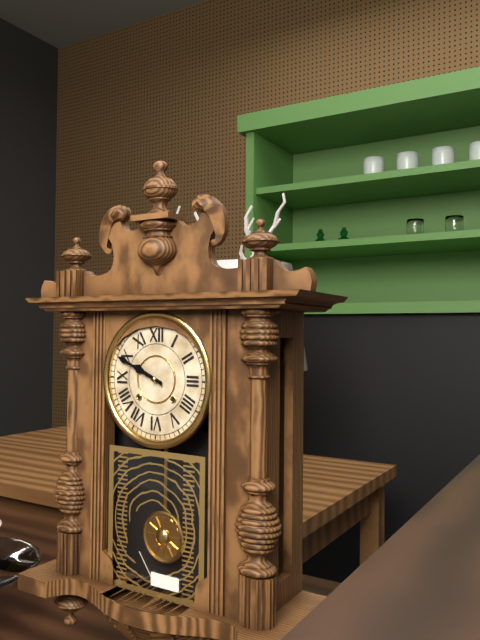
{"hour": 9, "minute": 49}
